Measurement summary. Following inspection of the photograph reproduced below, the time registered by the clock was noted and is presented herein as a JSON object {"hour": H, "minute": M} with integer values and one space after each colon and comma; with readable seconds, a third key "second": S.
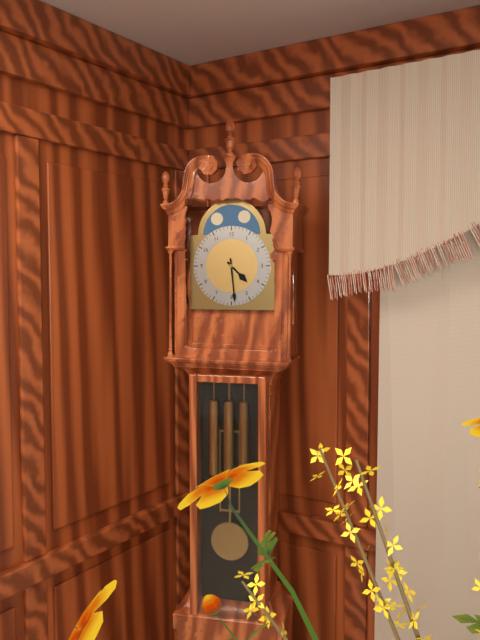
{"hour": 4, "minute": 29}
